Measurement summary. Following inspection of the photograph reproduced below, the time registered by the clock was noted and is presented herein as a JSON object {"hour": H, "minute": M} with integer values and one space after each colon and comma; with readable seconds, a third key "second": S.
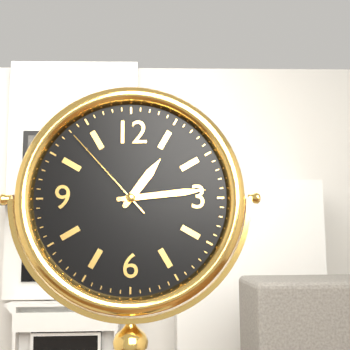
{"hour": 1, "minute": 14, "second": 53}
